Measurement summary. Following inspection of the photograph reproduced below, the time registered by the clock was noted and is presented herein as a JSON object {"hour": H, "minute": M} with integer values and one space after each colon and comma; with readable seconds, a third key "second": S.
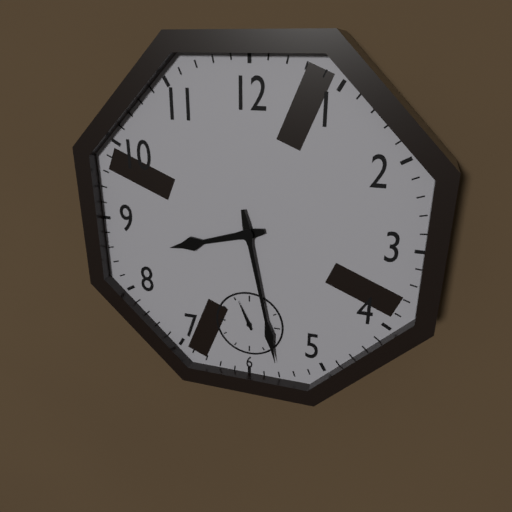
{"hour": 8, "minute": 28}
